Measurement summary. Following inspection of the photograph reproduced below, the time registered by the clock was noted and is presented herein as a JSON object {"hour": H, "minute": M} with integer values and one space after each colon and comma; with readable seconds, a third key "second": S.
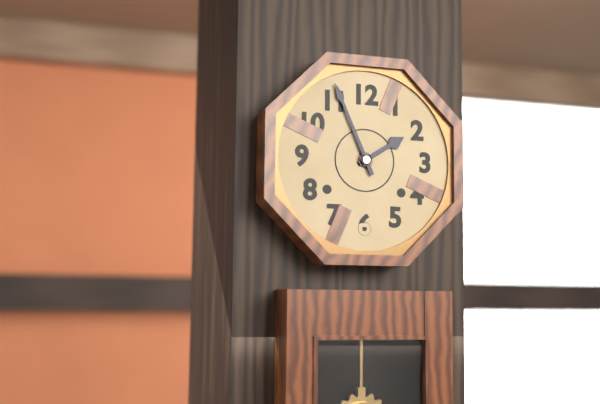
{"hour": 1, "minute": 56}
